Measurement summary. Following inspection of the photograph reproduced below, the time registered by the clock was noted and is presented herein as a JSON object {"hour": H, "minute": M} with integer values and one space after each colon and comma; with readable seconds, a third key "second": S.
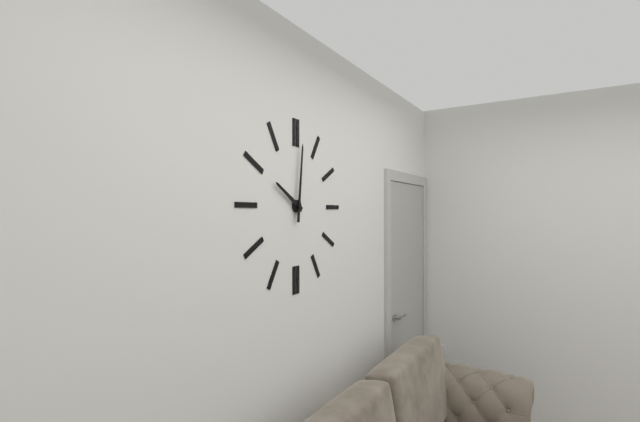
{"hour": 10, "minute": 1}
